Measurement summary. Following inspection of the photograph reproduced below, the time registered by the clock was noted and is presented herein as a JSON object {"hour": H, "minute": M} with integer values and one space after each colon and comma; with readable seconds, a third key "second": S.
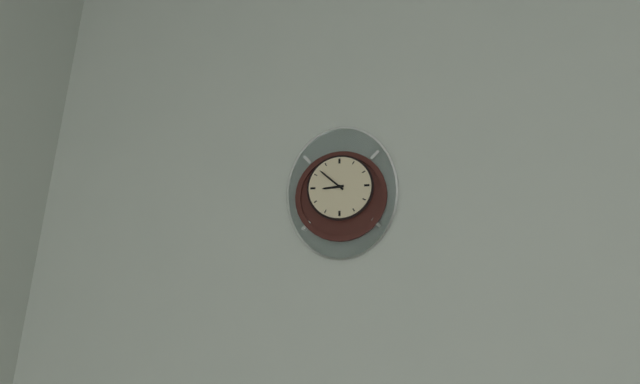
{"hour": 8, "minute": 52}
